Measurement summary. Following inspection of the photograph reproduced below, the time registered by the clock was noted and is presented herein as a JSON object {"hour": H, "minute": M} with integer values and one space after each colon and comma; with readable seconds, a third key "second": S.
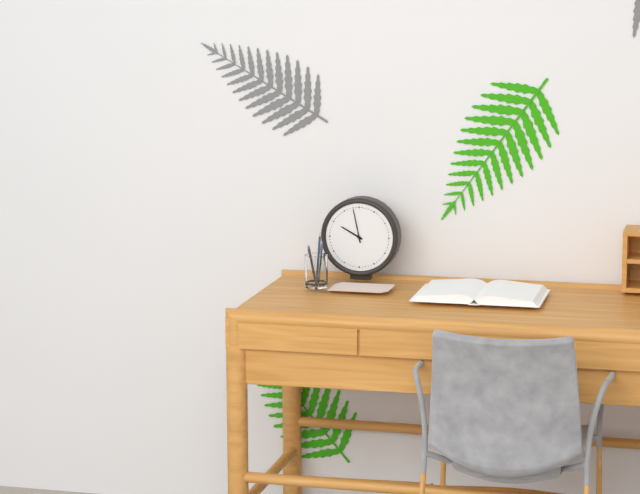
{"hour": 9, "minute": 58}
